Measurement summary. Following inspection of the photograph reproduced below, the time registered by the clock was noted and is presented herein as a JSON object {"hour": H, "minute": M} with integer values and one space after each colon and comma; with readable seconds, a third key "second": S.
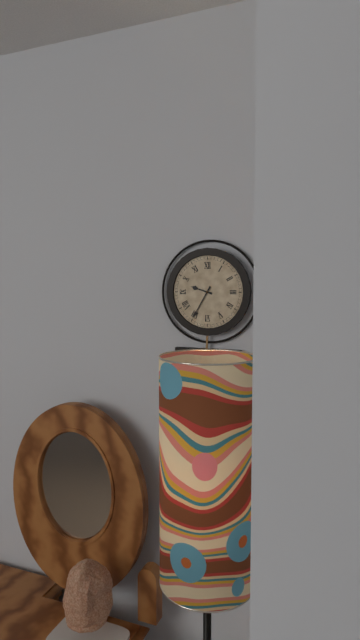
{"hour": 9, "minute": 35}
